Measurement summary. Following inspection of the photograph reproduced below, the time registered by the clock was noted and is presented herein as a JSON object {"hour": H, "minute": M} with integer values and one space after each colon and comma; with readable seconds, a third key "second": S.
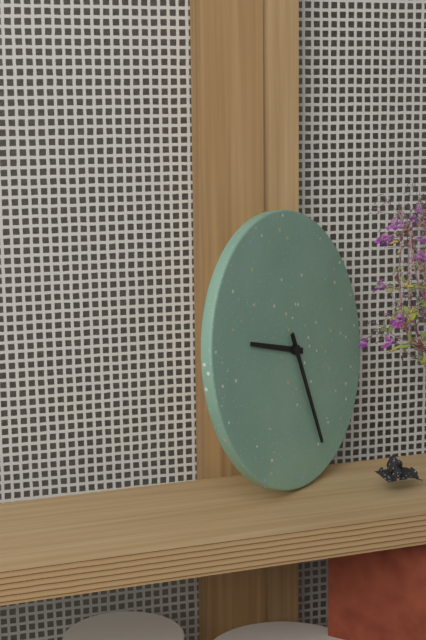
{"hour": 9, "minute": 27}
